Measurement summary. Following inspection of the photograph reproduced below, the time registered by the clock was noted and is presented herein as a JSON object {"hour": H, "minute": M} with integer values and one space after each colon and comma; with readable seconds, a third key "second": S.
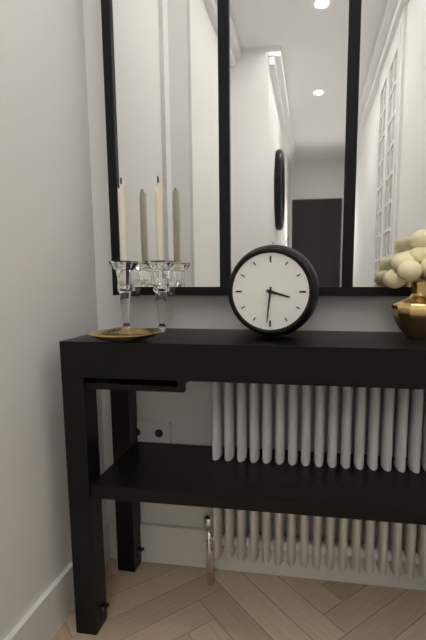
{"hour": 3, "minute": 31}
